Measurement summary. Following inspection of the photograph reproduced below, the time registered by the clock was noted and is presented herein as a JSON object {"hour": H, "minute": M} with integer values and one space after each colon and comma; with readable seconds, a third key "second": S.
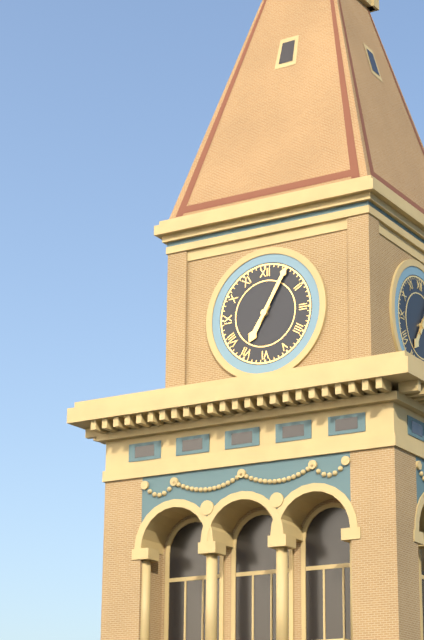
{"hour": 7, "minute": 5}
